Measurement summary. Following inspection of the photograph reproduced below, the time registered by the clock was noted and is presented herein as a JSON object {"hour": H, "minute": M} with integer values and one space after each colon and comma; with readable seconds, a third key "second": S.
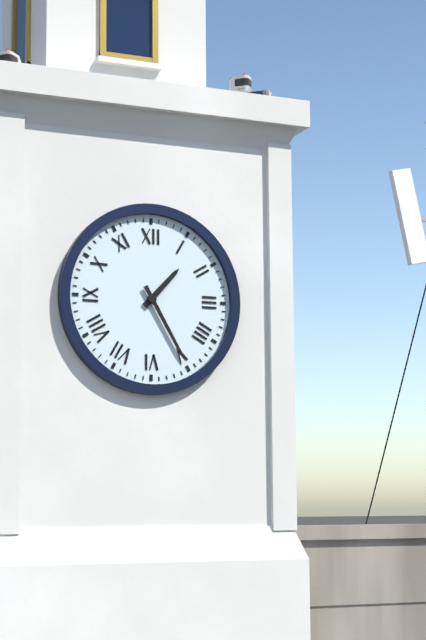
{"hour": 1, "minute": 25}
